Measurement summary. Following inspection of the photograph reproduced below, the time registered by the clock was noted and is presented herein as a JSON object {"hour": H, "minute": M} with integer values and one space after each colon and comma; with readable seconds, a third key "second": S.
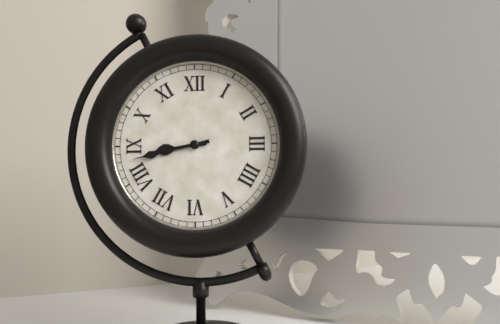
{"hour": 8, "minute": 43}
